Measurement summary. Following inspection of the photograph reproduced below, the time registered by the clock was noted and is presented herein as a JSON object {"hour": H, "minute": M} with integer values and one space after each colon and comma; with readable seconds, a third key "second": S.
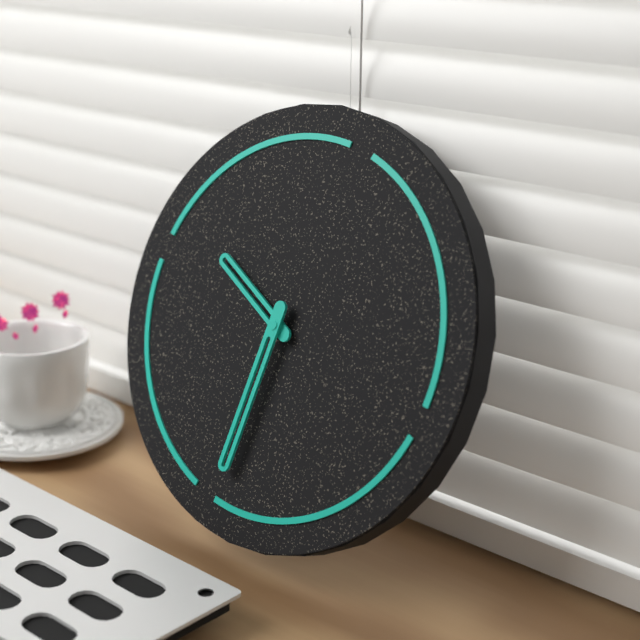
{"hour": 9, "minute": 29}
